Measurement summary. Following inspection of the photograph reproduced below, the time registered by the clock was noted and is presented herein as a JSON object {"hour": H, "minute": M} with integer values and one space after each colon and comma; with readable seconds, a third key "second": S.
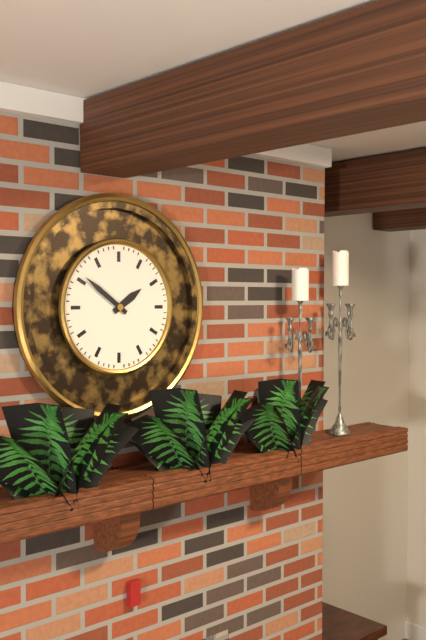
{"hour": 1, "minute": 51}
